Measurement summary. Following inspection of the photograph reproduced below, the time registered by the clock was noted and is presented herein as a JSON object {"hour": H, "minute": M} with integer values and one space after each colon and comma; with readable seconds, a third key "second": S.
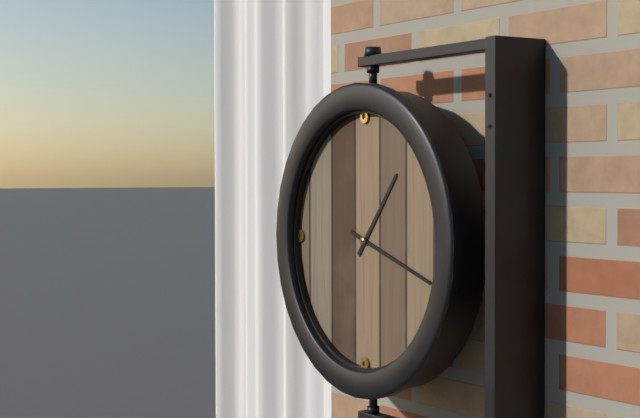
{"hour": 1, "minute": 18}
